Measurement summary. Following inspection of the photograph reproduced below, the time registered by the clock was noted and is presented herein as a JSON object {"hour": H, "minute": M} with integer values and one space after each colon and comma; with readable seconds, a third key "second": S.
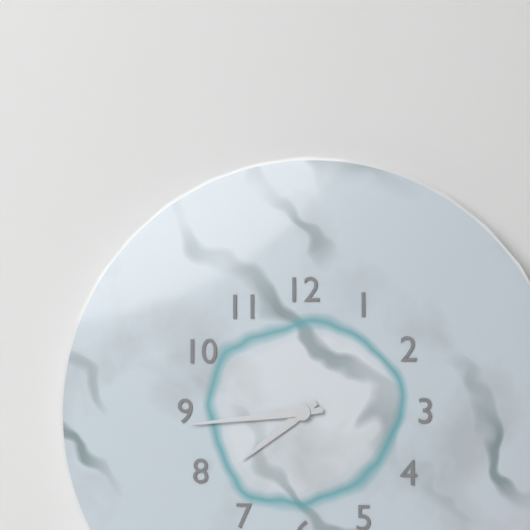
{"hour": 7, "minute": 44}
